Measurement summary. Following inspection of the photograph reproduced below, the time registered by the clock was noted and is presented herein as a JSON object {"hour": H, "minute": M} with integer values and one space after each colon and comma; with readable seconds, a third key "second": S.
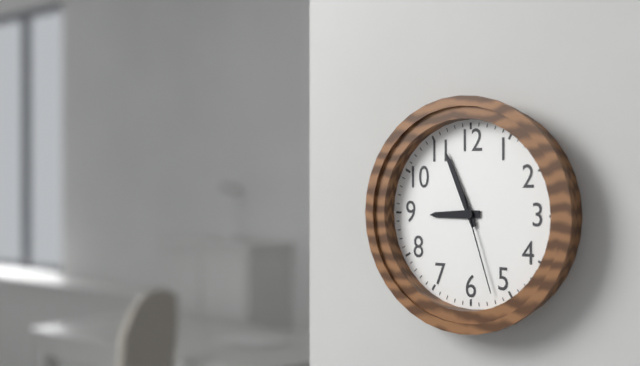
{"hour": 8, "minute": 56, "second": 27}
